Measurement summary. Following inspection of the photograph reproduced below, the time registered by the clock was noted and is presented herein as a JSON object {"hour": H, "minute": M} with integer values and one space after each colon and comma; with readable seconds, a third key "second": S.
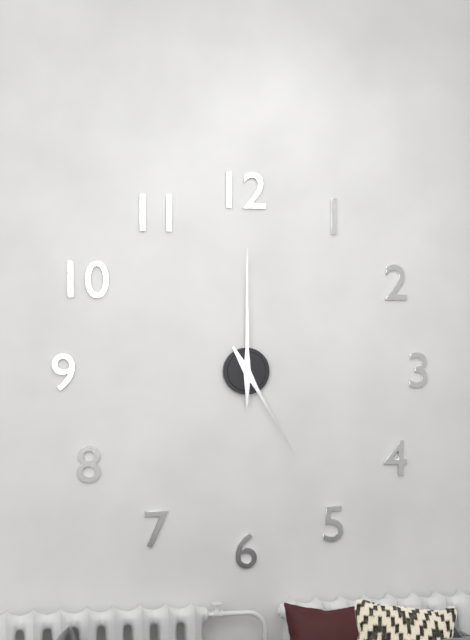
{"hour": 5, "minute": 0}
